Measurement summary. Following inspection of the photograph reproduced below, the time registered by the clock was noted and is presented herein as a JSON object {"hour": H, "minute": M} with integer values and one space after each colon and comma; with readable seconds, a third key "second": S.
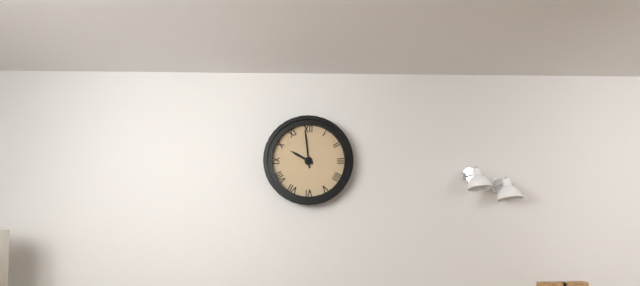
{"hour": 9, "minute": 59}
